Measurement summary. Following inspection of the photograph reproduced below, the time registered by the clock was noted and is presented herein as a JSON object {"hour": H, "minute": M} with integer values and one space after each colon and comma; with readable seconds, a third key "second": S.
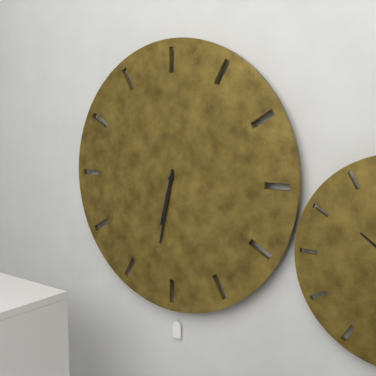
{"hour": 6, "minute": 32}
